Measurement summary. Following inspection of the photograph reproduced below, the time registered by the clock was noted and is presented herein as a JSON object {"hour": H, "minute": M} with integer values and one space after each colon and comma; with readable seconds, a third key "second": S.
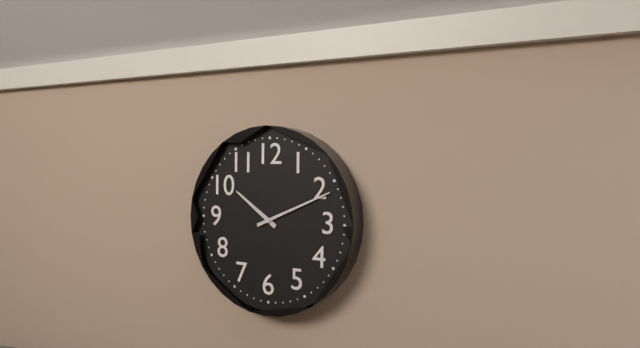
{"hour": 10, "minute": 11}
